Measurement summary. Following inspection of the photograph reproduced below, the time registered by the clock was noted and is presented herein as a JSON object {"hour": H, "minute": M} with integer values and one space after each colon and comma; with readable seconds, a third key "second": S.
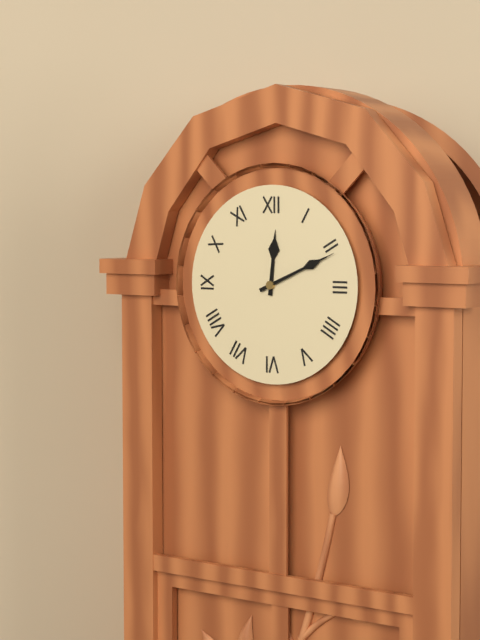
{"hour": 12, "minute": 11}
